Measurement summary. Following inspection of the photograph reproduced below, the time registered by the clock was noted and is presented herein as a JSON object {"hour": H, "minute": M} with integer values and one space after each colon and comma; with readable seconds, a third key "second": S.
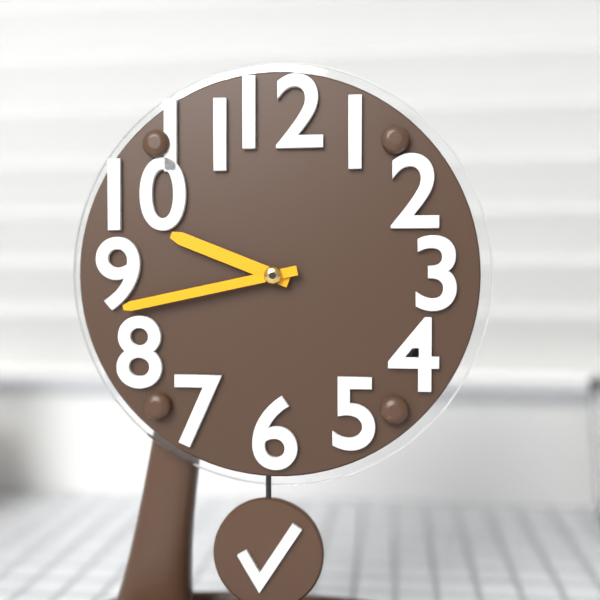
{"hour": 9, "minute": 43}
